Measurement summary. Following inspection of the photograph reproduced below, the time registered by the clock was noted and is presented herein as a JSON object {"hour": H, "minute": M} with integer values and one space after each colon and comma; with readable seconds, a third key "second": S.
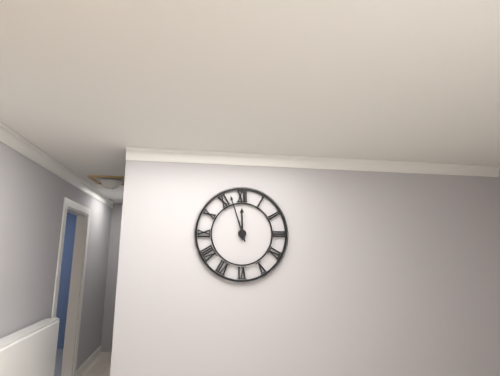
{"hour": 11, "minute": 57}
